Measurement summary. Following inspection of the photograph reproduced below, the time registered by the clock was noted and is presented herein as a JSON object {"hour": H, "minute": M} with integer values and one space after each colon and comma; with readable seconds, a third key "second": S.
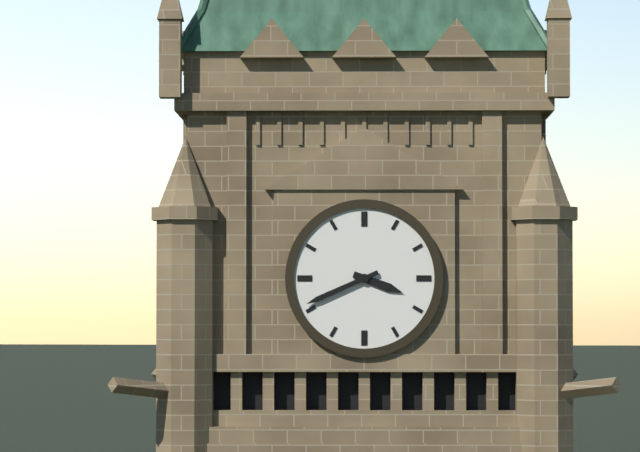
{"hour": 3, "minute": 41}
